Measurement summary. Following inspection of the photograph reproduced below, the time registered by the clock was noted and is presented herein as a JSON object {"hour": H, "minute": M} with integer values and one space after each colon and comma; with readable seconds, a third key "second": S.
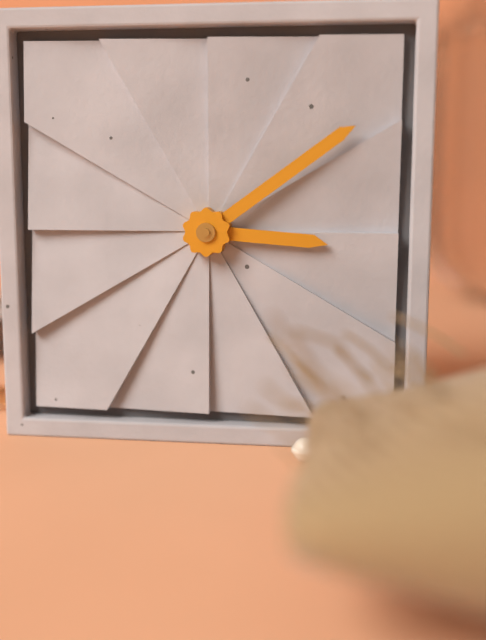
{"hour": 3, "minute": 9}
